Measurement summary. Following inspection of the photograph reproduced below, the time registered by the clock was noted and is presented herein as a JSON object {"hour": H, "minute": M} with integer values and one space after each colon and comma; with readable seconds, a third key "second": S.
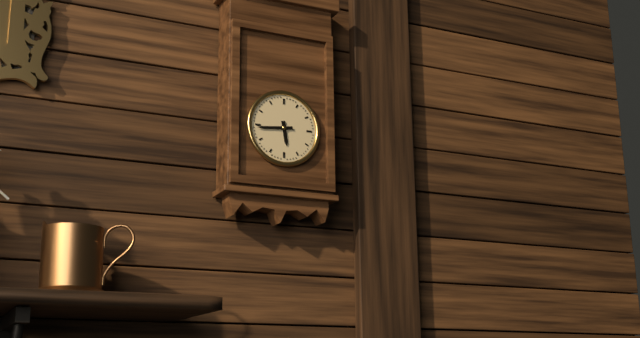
{"hour": 5, "minute": 44}
